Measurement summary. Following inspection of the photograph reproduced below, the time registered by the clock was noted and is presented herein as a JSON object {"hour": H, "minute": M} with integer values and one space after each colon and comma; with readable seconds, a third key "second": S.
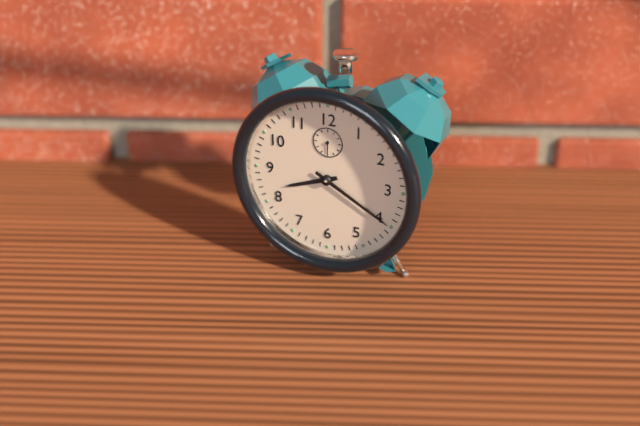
{"hour": 8, "minute": 20}
